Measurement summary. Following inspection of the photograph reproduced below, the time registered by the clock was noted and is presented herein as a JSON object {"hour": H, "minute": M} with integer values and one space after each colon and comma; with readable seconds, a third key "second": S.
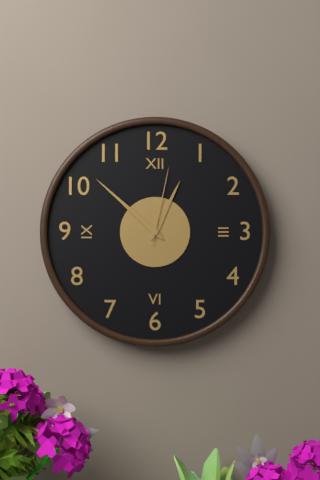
{"hour": 12, "minute": 52, "second": 2}
